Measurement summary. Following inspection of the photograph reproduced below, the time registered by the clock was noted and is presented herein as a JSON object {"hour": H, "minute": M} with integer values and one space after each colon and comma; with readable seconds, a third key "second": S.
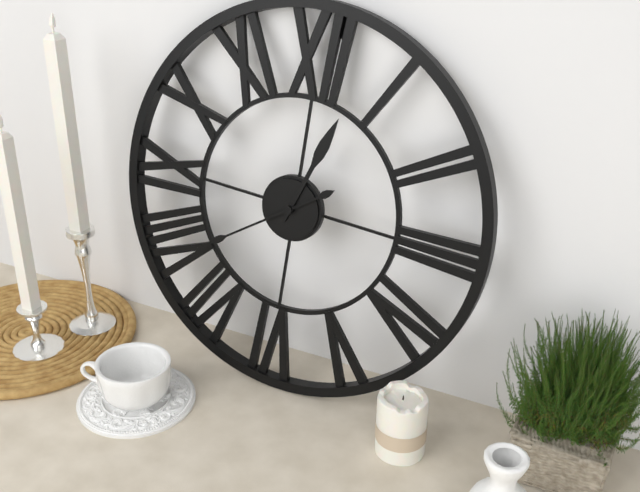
{"hour": 12, "minute": 39}
